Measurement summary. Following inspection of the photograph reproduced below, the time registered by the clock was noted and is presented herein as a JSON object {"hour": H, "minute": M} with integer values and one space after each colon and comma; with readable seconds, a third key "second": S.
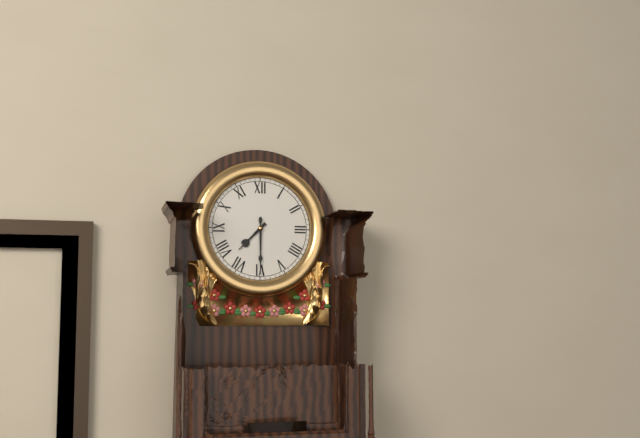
{"hour": 7, "minute": 30}
